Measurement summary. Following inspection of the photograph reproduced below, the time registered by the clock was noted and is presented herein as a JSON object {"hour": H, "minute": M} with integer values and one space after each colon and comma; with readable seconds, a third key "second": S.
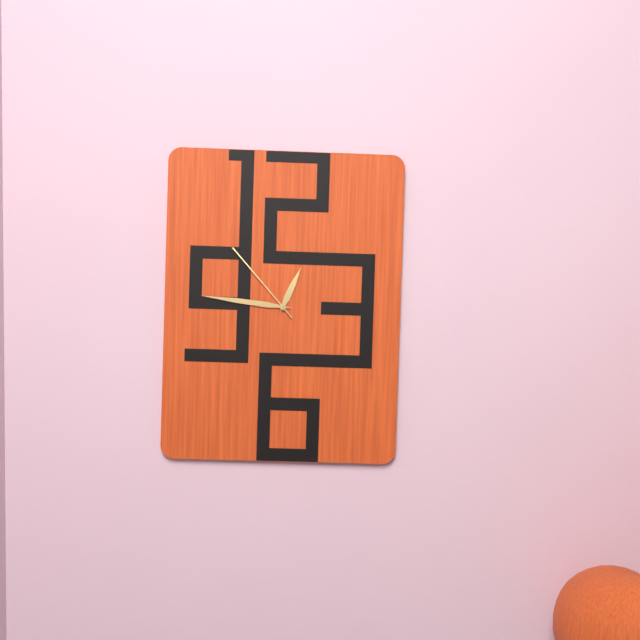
{"hour": 12, "minute": 46, "second": 53}
